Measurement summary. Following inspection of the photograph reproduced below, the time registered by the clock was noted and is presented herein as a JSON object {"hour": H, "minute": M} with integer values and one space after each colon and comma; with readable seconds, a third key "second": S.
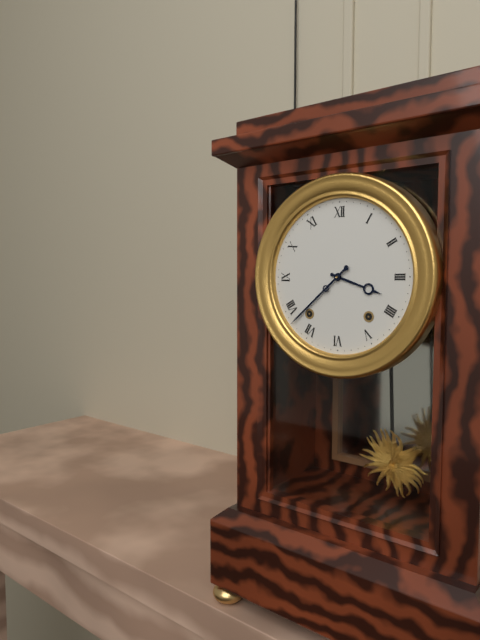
{"hour": 3, "minute": 38}
